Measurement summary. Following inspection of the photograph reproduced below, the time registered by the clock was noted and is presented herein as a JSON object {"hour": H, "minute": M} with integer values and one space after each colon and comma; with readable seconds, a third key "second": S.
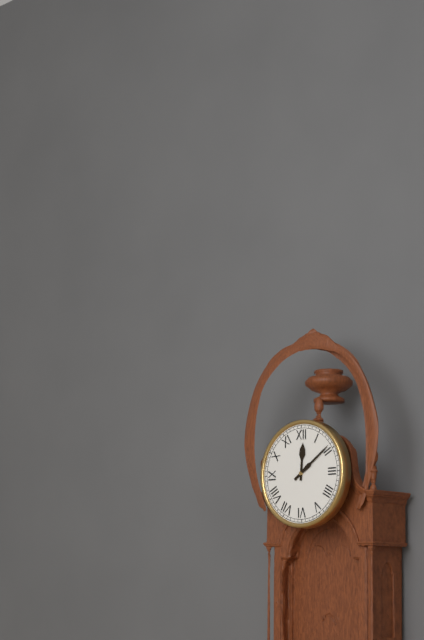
{"hour": 12, "minute": 9}
